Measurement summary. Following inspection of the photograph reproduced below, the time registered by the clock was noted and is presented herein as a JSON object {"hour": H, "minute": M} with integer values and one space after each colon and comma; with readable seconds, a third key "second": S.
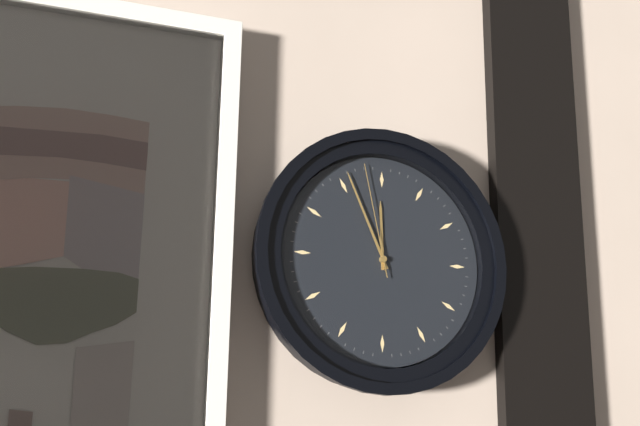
{"hour": 11, "minute": 56, "second": 58}
